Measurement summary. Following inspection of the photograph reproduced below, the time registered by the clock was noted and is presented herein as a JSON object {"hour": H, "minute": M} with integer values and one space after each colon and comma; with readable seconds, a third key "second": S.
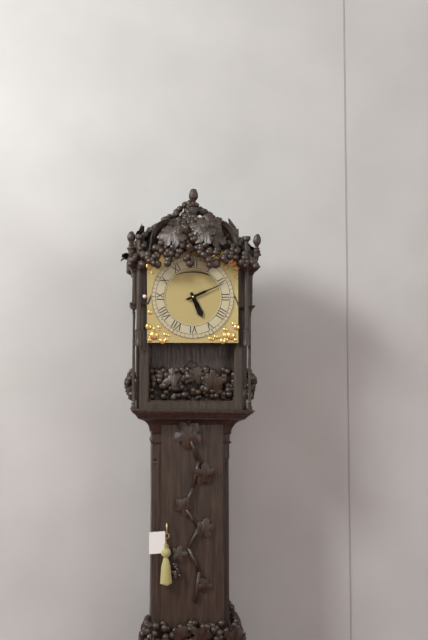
{"hour": 5, "minute": 11}
